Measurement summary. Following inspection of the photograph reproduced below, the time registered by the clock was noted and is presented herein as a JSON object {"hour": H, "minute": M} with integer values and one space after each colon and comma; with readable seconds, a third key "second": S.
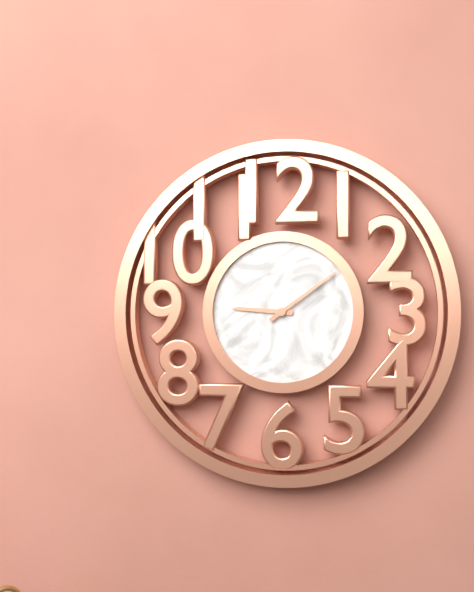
{"hour": 9, "minute": 9}
